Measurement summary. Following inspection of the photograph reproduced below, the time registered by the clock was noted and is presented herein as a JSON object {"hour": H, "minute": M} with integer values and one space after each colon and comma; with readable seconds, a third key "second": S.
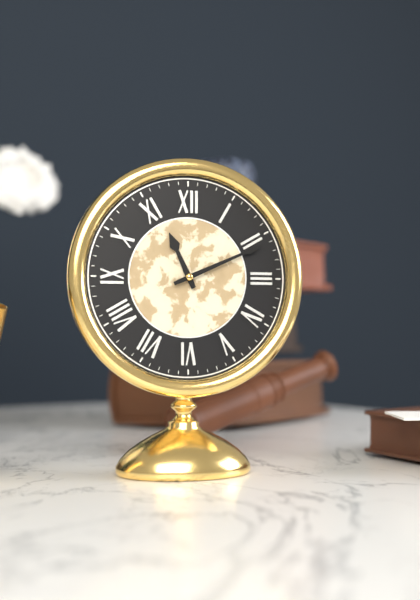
{"hour": 11, "minute": 11}
